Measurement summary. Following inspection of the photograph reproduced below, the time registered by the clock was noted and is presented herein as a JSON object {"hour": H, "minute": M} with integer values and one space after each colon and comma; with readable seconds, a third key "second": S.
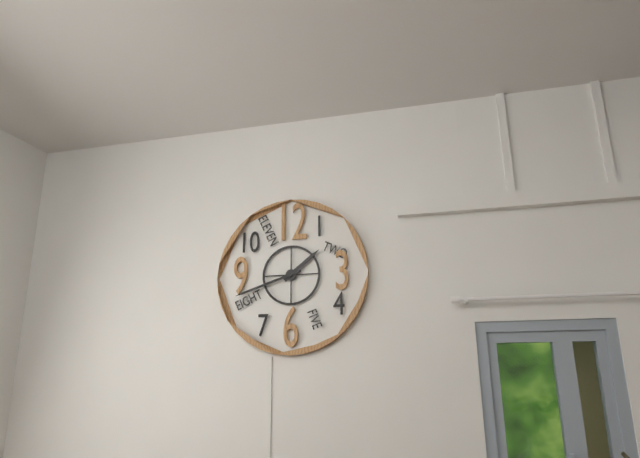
{"hour": 1, "minute": 42}
